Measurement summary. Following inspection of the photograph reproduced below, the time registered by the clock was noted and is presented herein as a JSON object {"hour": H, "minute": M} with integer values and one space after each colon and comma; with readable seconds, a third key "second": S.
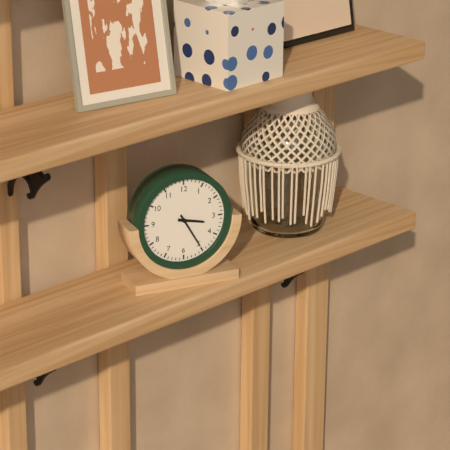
{"hour": 3, "minute": 25}
